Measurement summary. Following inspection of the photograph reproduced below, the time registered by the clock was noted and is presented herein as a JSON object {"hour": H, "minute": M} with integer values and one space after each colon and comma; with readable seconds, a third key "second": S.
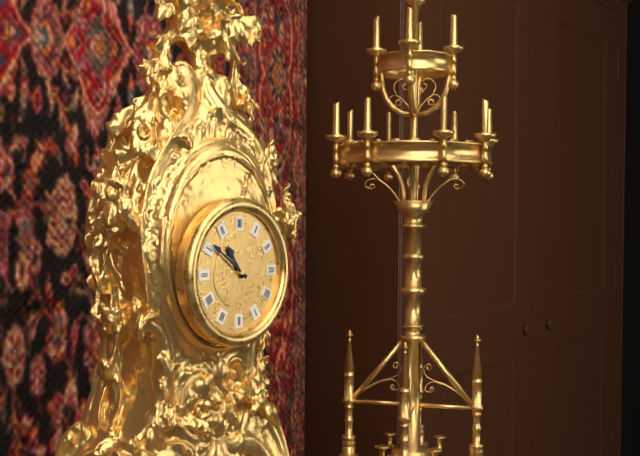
{"hour": 10, "minute": 51}
